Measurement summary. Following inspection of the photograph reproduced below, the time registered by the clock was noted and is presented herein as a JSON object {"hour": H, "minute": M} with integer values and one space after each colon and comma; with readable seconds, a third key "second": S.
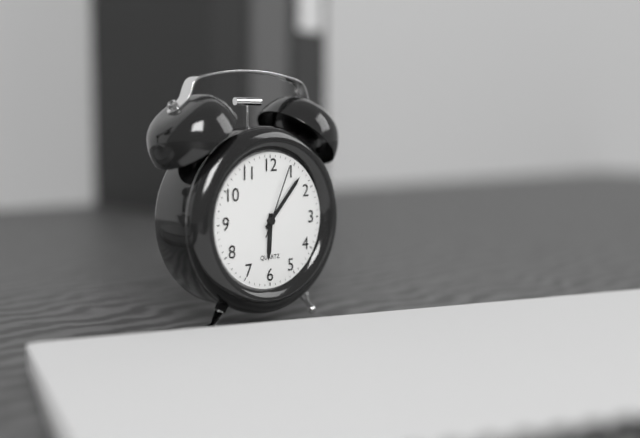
{"hour": 6, "minute": 7, "second": 4}
